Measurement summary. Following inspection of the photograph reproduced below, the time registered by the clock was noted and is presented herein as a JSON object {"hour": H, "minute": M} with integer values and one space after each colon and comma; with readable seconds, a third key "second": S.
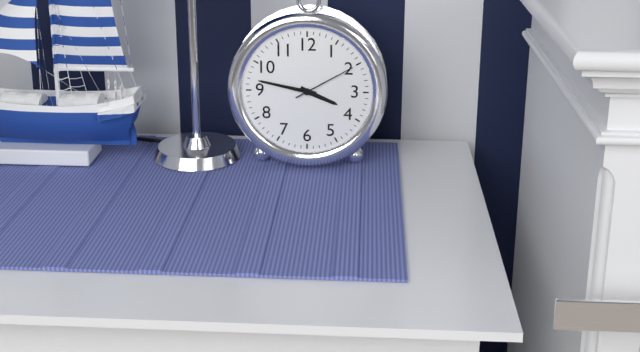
{"hour": 3, "minute": 47, "second": 10}
